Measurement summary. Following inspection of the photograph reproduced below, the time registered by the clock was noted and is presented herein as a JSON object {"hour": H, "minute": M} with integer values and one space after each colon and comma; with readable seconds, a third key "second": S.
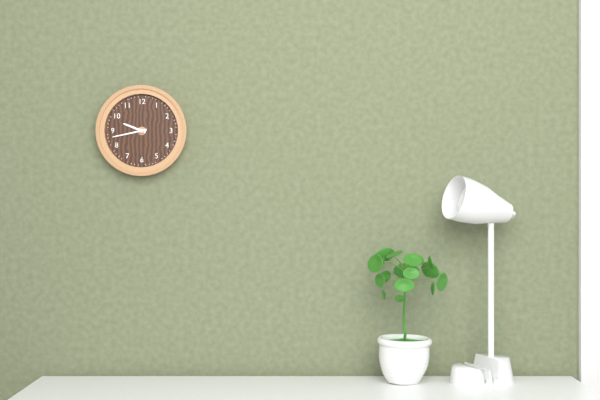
{"hour": 9, "minute": 43}
